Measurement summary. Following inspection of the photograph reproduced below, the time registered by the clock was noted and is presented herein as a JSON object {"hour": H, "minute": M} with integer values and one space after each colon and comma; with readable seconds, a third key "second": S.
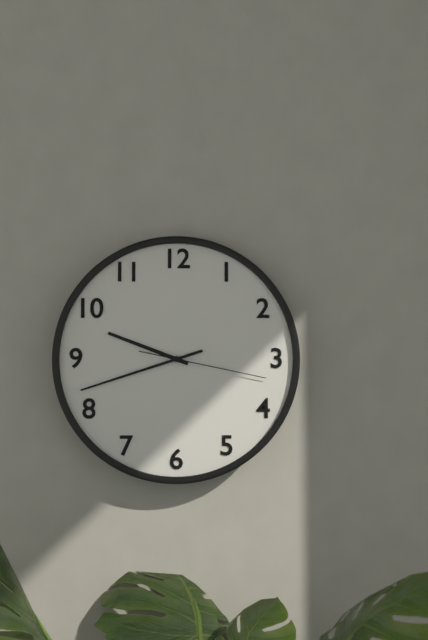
{"hour": 9, "minute": 42, "second": 17}
